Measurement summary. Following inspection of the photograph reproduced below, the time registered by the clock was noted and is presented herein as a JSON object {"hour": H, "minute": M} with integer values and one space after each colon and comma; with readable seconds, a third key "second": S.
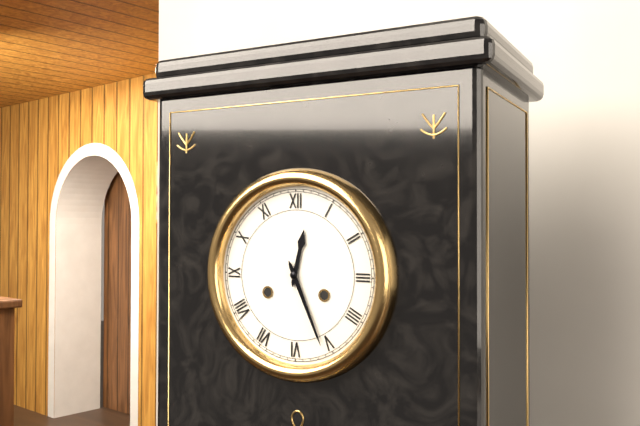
{"hour": 12, "minute": 26}
